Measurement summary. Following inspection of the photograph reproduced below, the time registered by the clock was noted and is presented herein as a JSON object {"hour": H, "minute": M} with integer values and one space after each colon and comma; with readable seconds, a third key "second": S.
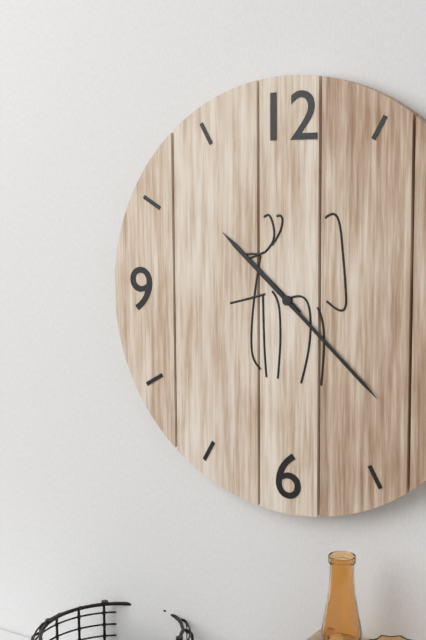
{"hour": 10, "minute": 22}
